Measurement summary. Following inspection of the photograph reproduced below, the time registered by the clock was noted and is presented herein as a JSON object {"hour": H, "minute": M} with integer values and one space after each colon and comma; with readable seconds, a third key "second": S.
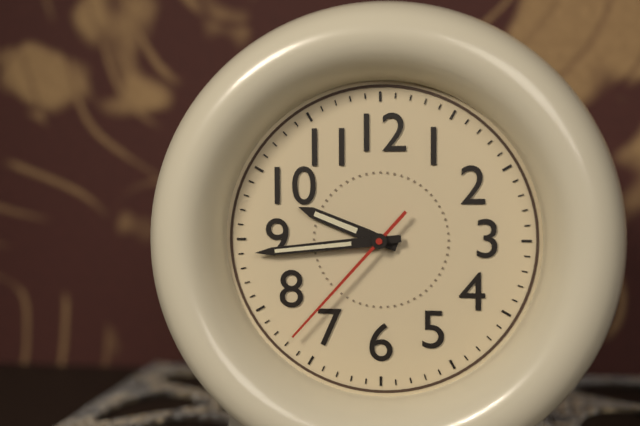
{"hour": 9, "minute": 44, "second": 37}
